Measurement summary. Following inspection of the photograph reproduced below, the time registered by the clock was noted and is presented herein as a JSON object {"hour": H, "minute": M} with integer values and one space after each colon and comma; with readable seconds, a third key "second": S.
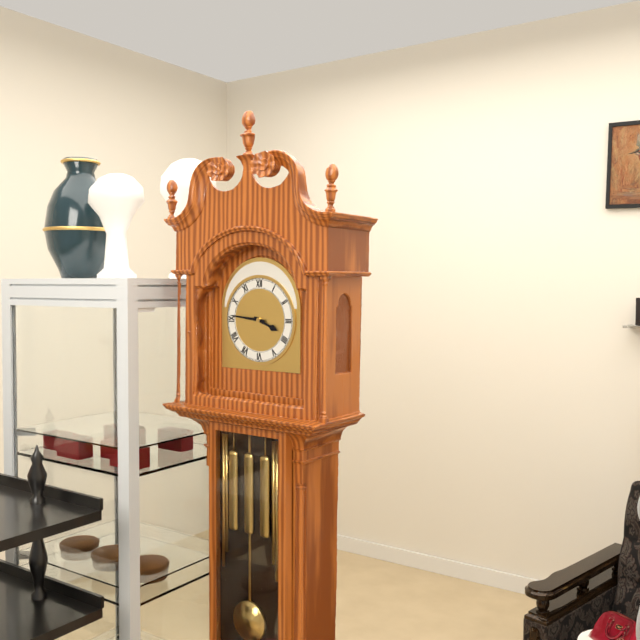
{"hour": 3, "minute": 46}
